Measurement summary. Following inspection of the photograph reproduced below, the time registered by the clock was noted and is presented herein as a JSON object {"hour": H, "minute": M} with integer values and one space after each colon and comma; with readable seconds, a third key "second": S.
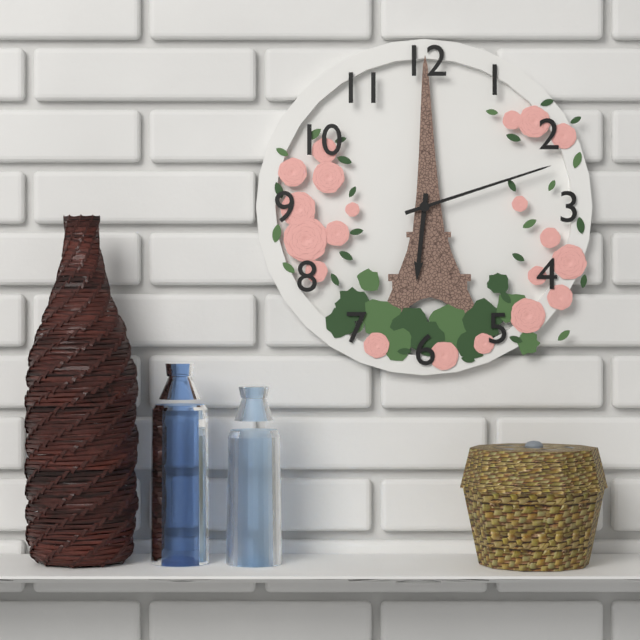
{"hour": 6, "minute": 12}
